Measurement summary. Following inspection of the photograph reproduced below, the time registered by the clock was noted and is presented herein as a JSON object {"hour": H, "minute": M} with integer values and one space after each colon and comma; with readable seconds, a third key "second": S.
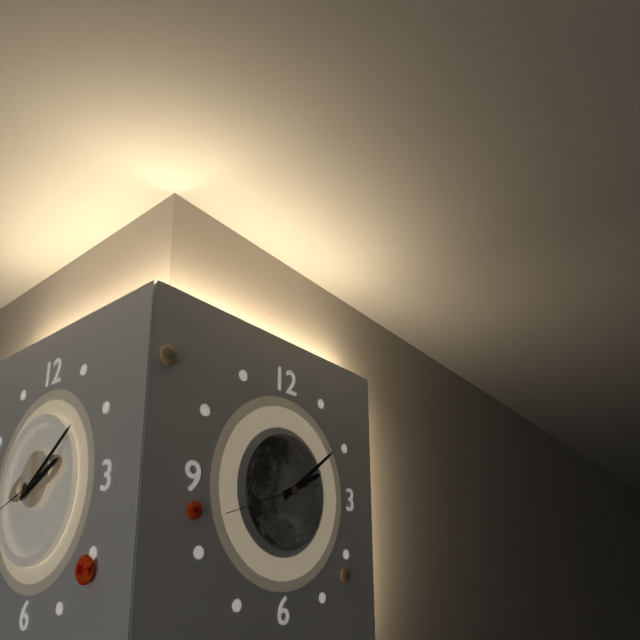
{"hour": 2, "minute": 9, "second": 42}
